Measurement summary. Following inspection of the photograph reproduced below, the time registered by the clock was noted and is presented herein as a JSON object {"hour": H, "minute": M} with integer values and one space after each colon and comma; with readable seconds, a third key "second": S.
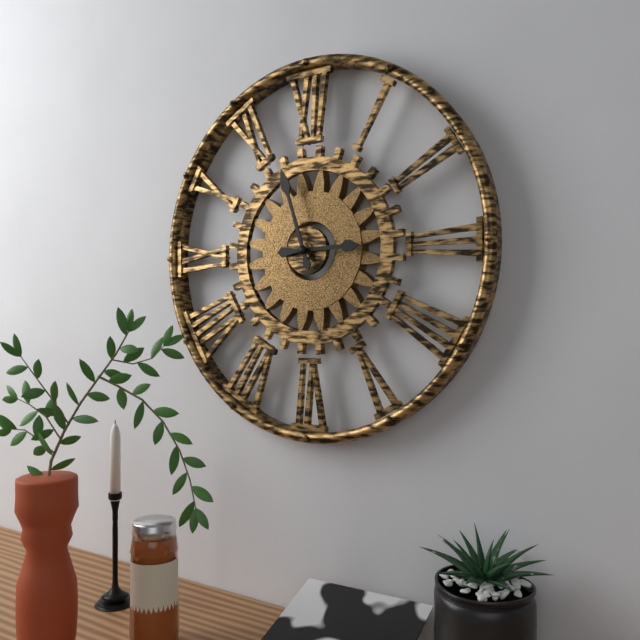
{"hour": 2, "minute": 57}
